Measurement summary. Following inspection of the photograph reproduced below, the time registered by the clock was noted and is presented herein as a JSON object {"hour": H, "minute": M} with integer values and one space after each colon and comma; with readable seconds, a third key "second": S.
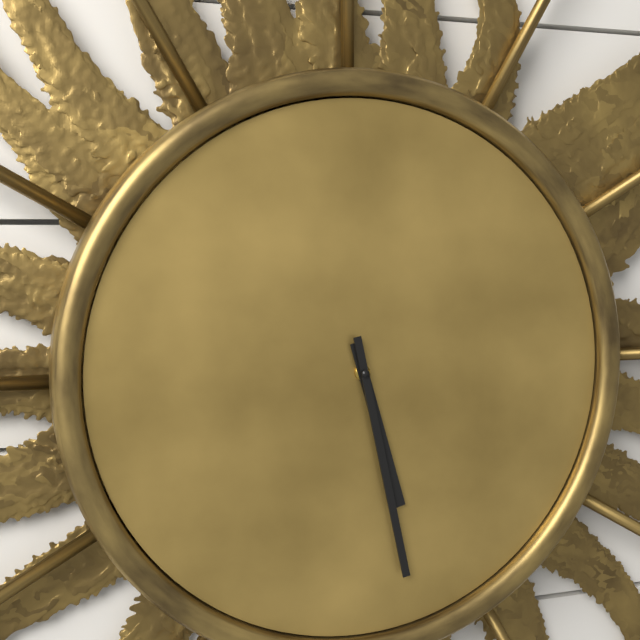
{"hour": 5, "minute": 28}
